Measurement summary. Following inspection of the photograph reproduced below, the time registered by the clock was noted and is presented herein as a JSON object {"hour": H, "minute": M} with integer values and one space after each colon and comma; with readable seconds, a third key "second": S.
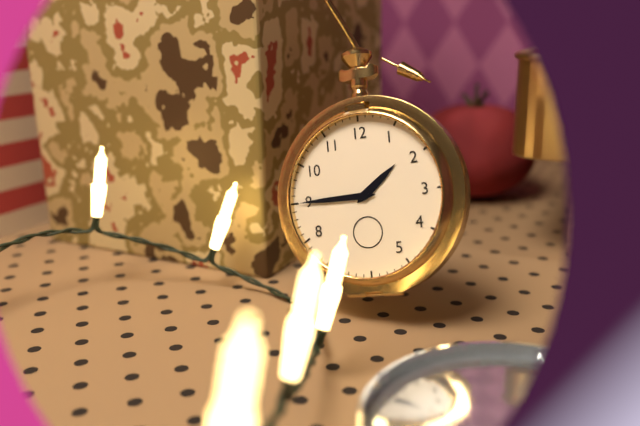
{"hour": 1, "minute": 45}
